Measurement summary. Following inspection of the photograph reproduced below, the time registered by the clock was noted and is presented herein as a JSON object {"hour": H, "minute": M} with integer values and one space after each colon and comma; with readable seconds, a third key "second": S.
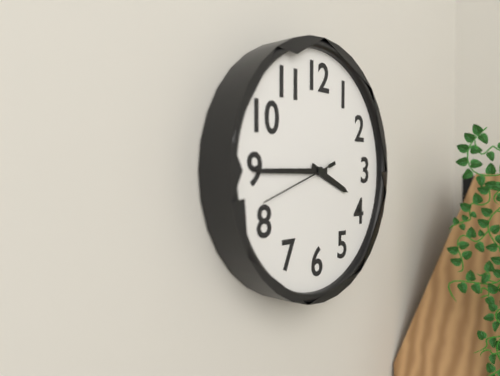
{"hour": 3, "minute": 45, "second": 42}
